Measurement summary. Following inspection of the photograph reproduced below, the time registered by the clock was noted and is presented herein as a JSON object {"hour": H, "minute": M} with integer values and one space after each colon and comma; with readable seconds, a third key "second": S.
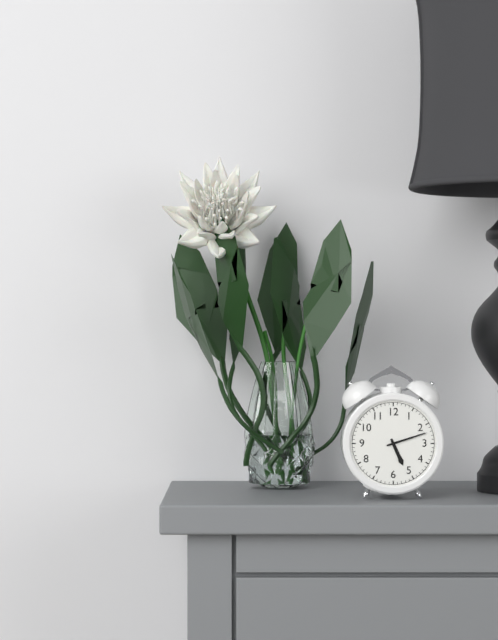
{"hour": 5, "minute": 12}
